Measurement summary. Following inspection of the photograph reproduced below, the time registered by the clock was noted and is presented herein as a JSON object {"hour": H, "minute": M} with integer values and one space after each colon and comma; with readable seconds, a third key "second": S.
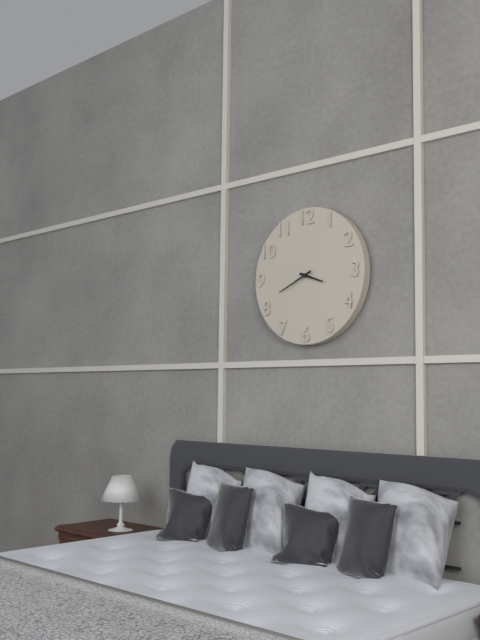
{"hour": 3, "minute": 41}
